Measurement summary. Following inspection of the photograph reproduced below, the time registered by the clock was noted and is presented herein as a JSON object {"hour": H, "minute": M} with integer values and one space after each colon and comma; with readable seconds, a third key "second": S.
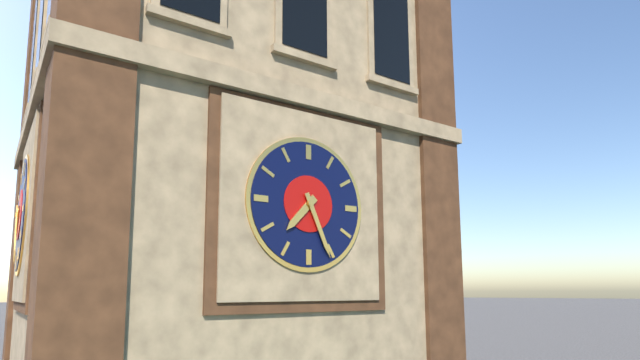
{"hour": 7, "minute": 26}
